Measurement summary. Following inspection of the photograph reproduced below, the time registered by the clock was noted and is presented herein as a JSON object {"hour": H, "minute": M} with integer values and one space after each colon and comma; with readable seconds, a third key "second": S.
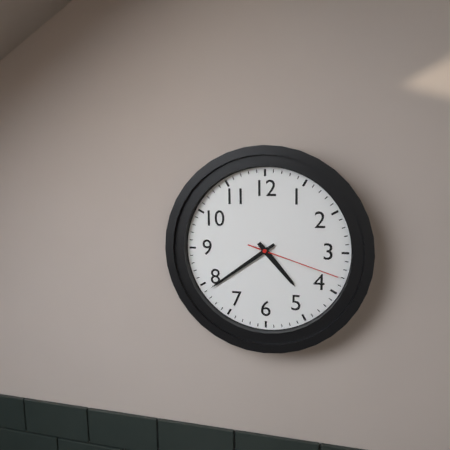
{"hour": 4, "minute": 39, "second": 18}
